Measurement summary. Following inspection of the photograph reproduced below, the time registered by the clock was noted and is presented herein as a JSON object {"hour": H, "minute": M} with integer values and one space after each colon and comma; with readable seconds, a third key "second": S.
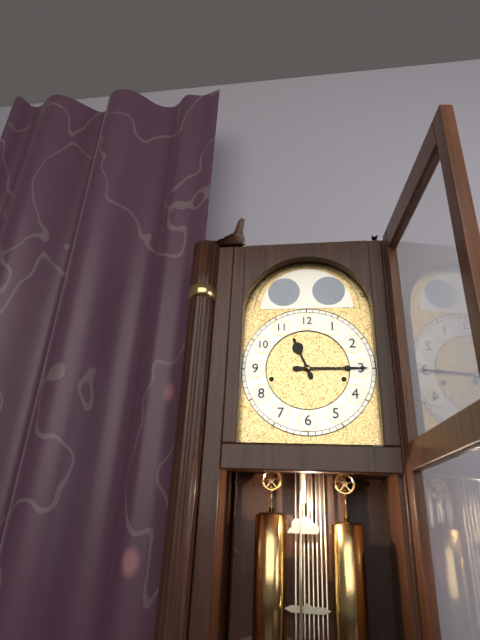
{"hour": 11, "minute": 15}
